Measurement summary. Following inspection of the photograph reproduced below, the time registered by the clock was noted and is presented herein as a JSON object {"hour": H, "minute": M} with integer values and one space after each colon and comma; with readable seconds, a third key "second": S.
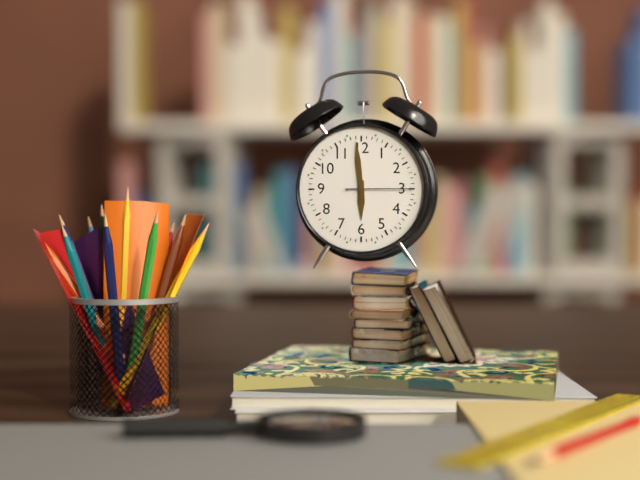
{"hour": 5, "minute": 59, "second": 15}
